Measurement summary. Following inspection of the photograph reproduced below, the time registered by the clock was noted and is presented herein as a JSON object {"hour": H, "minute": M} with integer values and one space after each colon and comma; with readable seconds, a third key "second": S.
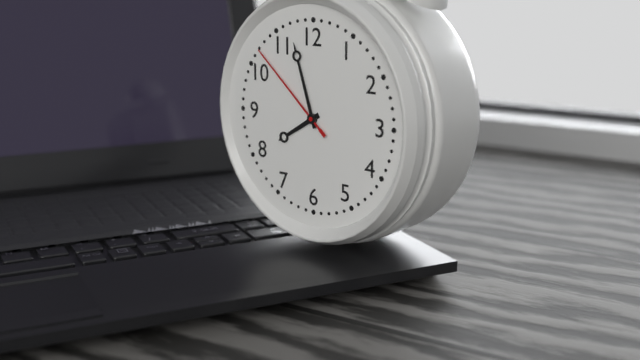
{"hour": 7, "minute": 57, "second": 52}
